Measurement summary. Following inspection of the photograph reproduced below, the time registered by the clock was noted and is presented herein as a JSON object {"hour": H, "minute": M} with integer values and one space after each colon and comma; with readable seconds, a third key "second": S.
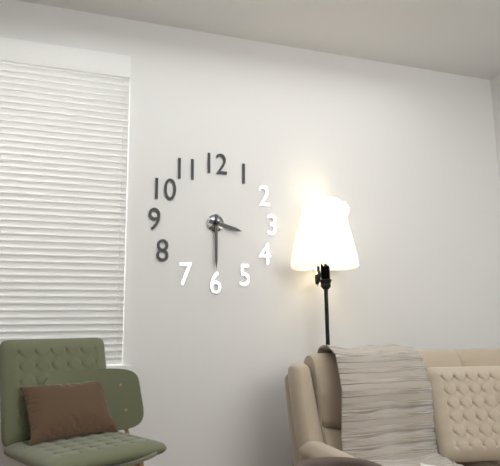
{"hour": 3, "minute": 30}
